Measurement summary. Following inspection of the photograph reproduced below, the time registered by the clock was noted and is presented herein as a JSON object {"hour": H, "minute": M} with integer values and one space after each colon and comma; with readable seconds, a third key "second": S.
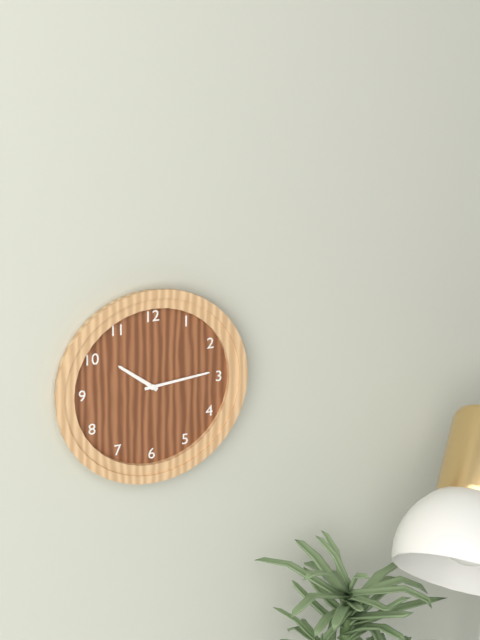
{"hour": 10, "minute": 14}
